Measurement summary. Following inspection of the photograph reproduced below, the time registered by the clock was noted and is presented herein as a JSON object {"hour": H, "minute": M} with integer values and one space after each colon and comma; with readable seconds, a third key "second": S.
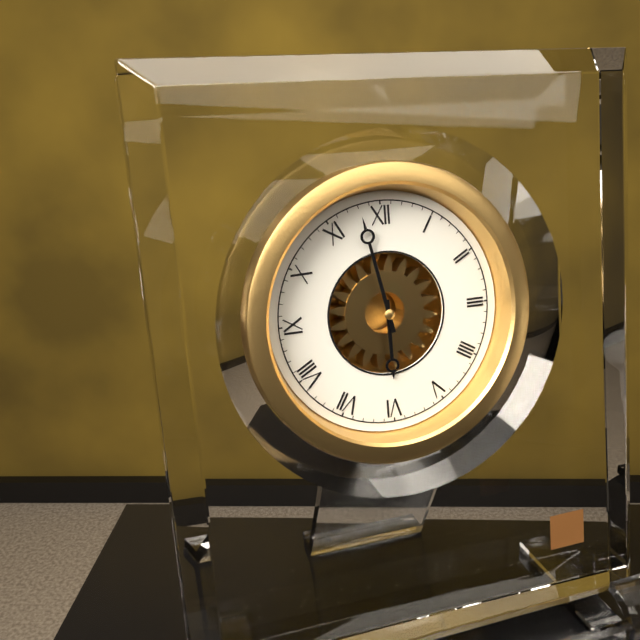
{"hour": 5, "minute": 58}
